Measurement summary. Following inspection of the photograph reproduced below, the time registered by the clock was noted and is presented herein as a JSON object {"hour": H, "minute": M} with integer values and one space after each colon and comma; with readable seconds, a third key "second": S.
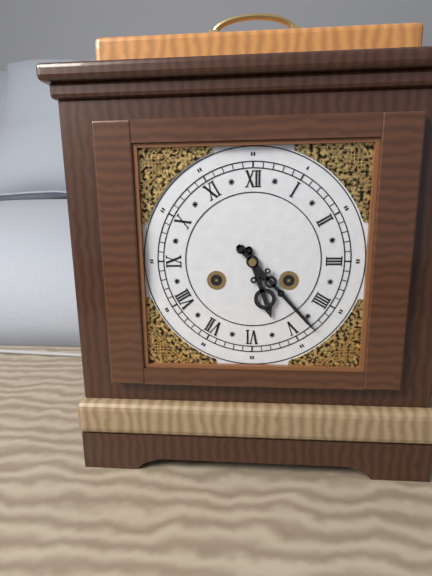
{"hour": 5, "minute": 23}
